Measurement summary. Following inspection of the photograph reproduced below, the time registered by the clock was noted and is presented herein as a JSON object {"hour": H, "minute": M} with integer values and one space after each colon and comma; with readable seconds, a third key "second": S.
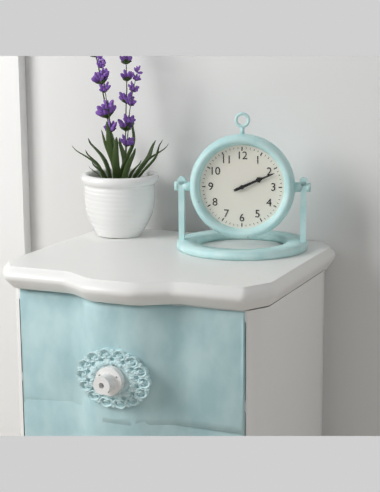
{"hour": 2, "minute": 11}
